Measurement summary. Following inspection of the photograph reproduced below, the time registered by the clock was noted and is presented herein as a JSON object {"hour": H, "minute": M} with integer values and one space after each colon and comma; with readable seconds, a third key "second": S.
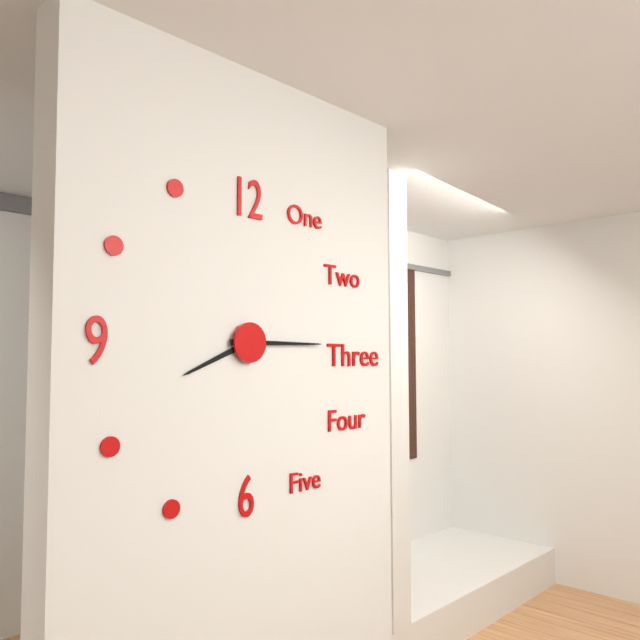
{"hour": 8, "minute": 15}
